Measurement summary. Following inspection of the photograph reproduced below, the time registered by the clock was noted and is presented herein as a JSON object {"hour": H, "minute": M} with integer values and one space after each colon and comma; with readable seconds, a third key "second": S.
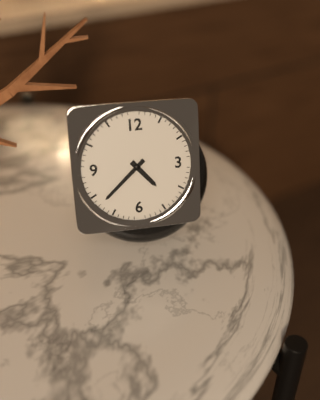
{"hour": 4, "minute": 38}
